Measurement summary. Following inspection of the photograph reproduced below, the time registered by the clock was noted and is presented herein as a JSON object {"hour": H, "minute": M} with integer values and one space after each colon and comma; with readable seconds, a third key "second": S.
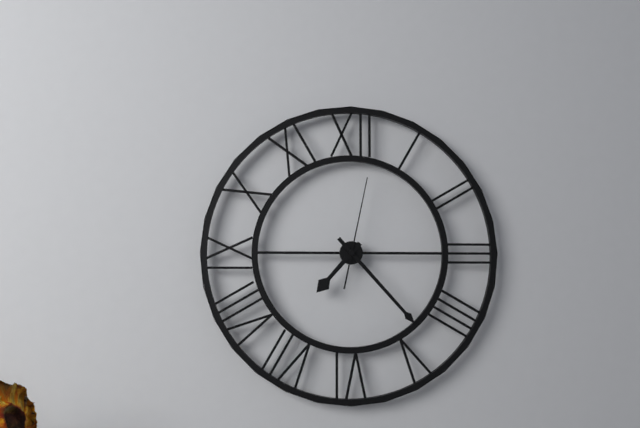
{"hour": 7, "minute": 23, "second": 2}
